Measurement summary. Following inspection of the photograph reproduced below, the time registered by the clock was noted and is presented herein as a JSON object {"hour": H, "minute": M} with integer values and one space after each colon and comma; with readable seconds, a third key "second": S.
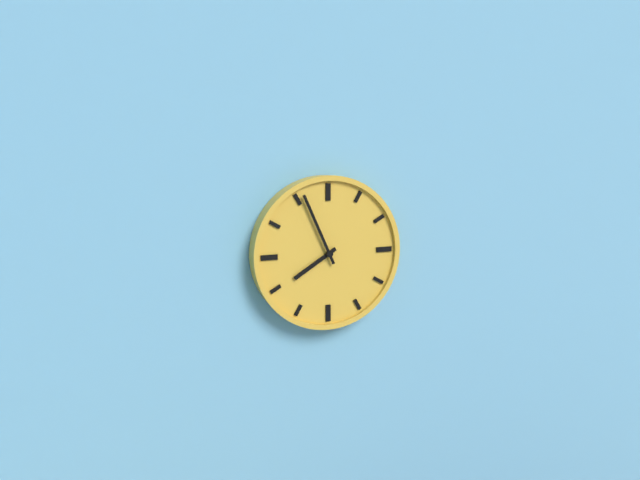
{"hour": 7, "minute": 56}
